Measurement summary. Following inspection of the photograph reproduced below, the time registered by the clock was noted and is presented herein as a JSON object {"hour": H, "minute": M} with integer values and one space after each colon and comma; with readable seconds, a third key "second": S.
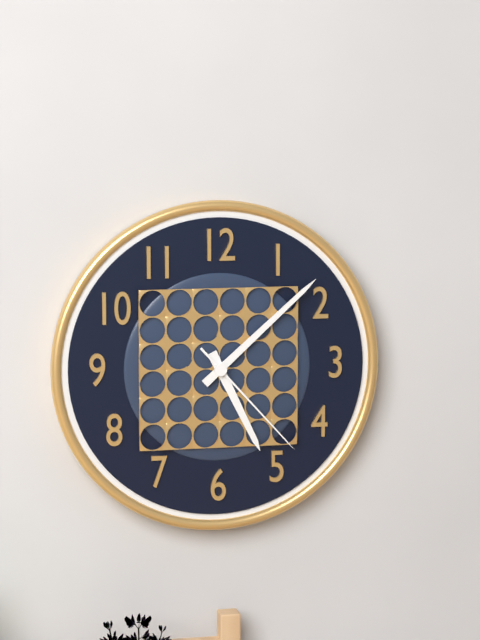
{"hour": 5, "minute": 8, "second": 23}
